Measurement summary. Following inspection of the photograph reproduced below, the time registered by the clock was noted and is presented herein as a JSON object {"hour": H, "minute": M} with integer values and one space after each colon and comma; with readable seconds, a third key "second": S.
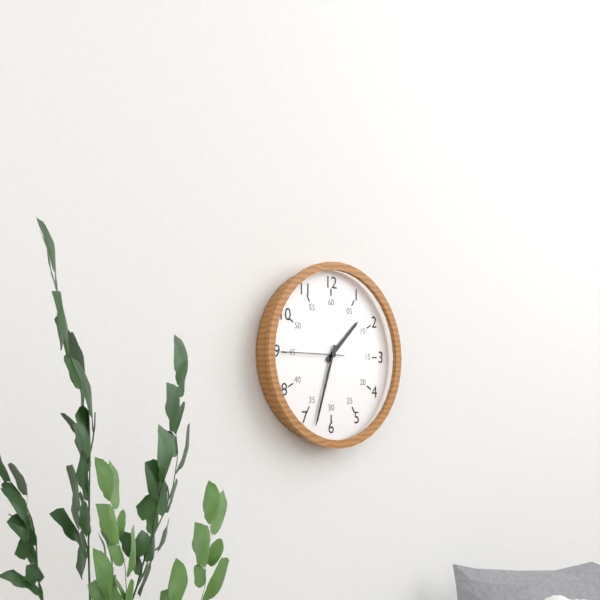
{"hour": 1, "minute": 33, "second": 45}
